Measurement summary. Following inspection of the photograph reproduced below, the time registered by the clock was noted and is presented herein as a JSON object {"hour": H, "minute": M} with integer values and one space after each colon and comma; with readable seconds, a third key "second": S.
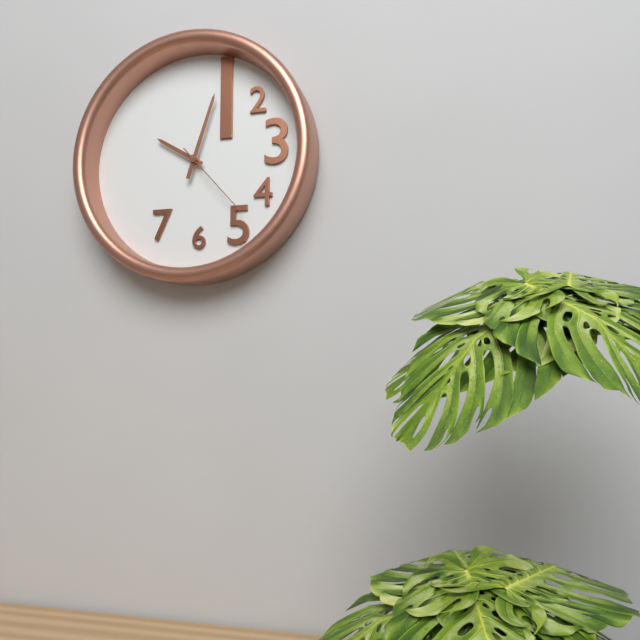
{"hour": 10, "minute": 3, "second": 23}
